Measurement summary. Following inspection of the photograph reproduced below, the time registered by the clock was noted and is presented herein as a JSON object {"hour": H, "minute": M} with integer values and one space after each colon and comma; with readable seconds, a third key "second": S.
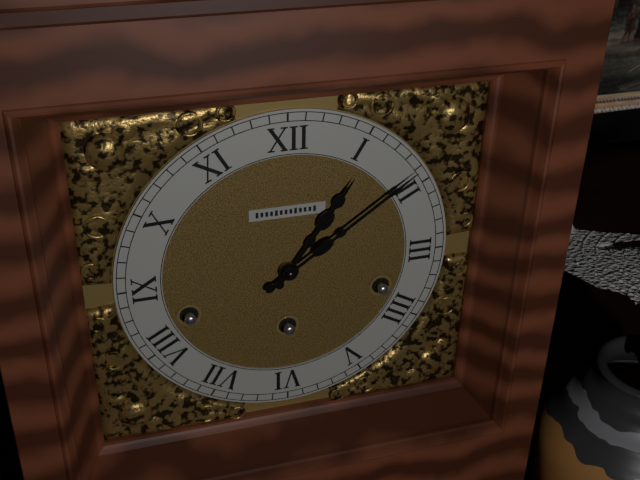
{"hour": 1, "minute": 9}
